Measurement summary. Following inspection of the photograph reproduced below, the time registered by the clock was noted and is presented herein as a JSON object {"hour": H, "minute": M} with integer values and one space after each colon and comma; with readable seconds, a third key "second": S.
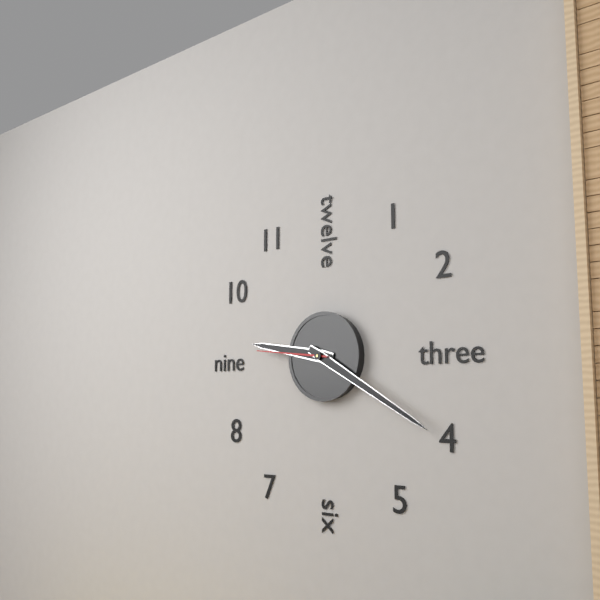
{"hour": 9, "minute": 20, "second": 46}
